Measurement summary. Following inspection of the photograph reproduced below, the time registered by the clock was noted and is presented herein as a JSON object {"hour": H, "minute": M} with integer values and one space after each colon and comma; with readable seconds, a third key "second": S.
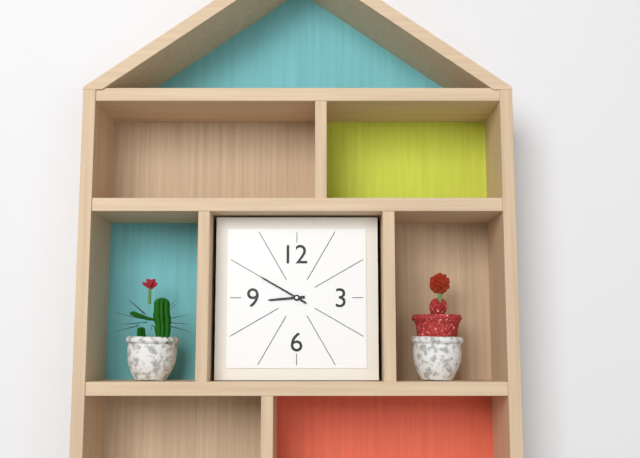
{"hour": 8, "minute": 50}
